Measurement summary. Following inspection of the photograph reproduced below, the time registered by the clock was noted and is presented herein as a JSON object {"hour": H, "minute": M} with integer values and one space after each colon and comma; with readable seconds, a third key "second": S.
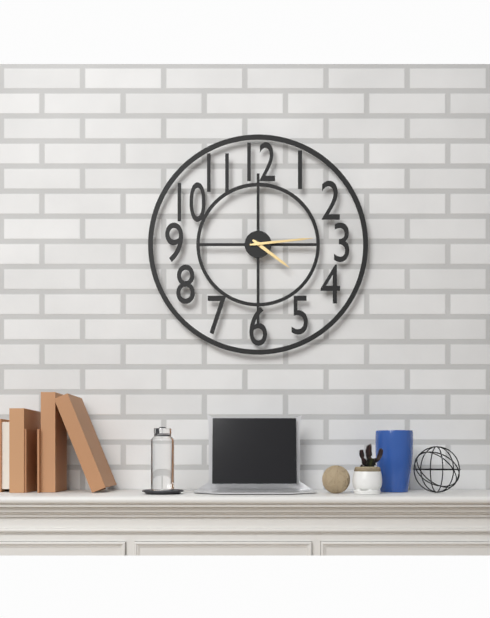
{"hour": 4, "minute": 14}
